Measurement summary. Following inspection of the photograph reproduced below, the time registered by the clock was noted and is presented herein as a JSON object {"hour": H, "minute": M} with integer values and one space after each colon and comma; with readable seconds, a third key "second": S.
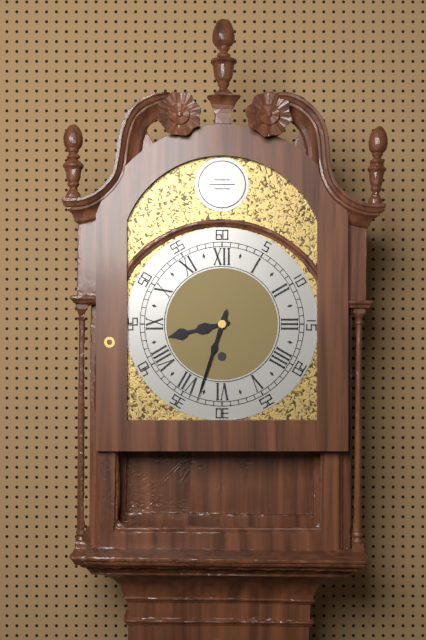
{"hour": 8, "minute": 33}
